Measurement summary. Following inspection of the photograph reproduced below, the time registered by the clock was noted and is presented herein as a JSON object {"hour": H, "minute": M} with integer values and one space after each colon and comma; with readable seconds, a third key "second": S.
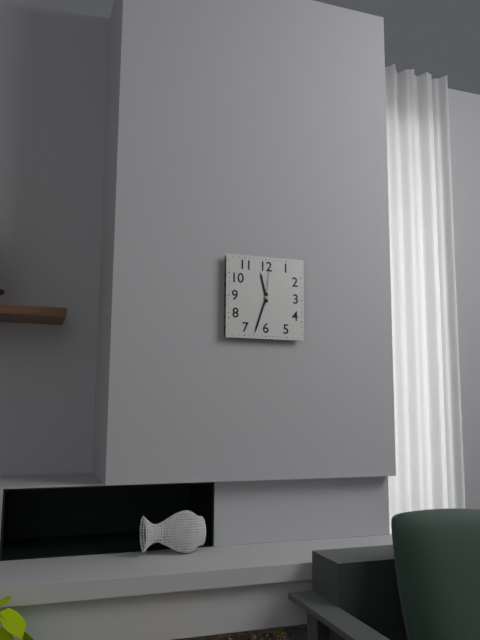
{"hour": 11, "minute": 33}
